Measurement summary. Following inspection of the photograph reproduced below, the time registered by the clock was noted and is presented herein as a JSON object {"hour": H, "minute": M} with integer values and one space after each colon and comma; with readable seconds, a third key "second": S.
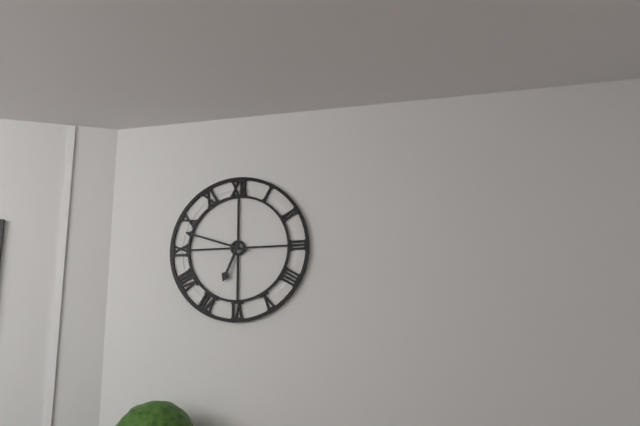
{"hour": 6, "minute": 48}
